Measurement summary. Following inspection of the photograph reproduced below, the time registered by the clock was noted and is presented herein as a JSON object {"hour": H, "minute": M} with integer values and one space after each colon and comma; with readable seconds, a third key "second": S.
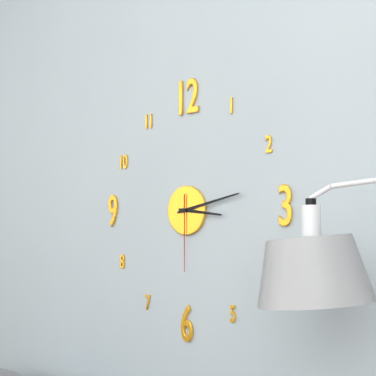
{"hour": 3, "minute": 13, "second": 30}
